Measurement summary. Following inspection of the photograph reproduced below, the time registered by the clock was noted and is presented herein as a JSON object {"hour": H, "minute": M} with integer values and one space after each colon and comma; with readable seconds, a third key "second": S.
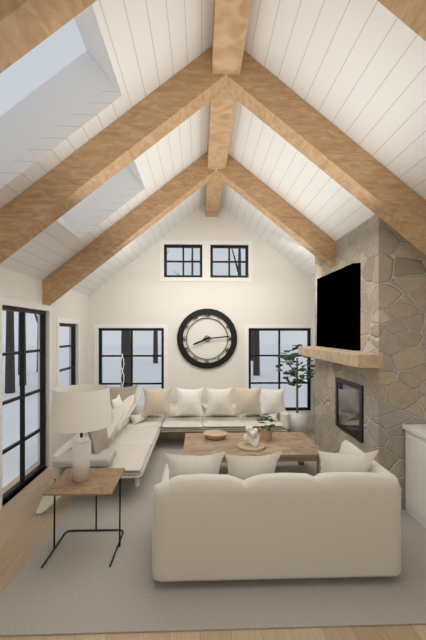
{"hour": 8, "minute": 14}
